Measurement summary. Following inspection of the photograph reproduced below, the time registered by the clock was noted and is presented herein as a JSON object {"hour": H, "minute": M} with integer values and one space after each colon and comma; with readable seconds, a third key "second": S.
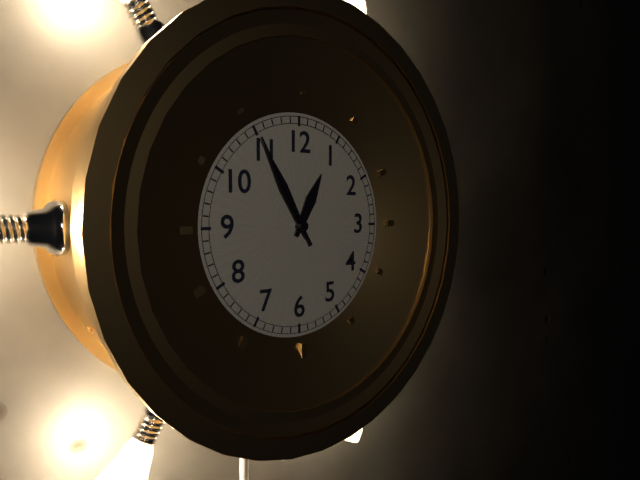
{"hour": 12, "minute": 55, "second": 55}
